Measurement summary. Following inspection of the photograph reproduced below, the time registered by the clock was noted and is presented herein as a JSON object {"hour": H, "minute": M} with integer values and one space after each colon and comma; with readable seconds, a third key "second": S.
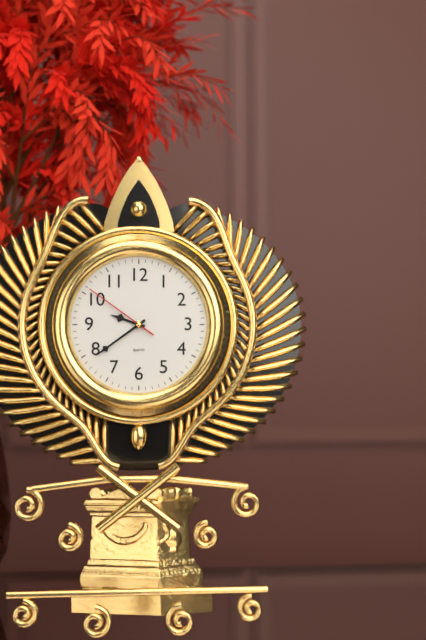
{"hour": 9, "minute": 39, "second": 51}
